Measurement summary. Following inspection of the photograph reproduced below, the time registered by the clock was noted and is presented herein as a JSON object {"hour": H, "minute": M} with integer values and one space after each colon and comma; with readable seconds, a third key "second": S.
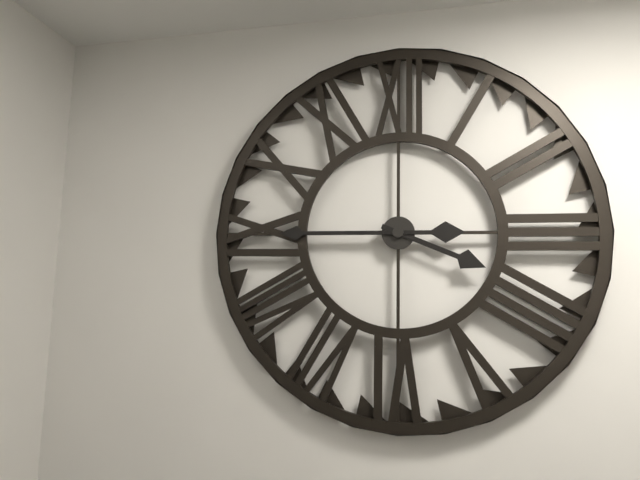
{"hour": 3, "minute": 45}
